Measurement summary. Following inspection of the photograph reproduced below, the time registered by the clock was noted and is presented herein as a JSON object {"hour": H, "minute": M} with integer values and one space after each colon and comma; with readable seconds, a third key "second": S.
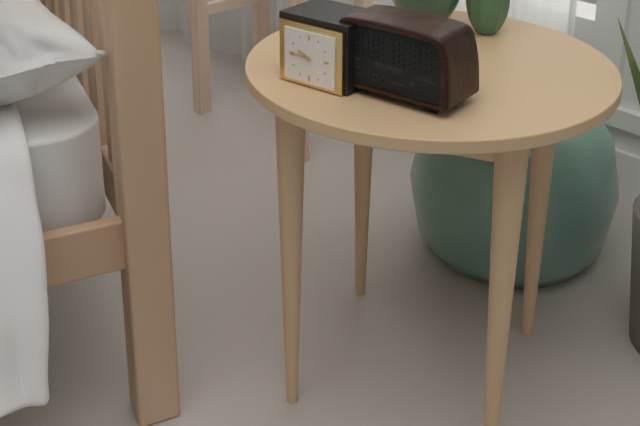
{"hour": 9, "minute": 46}
